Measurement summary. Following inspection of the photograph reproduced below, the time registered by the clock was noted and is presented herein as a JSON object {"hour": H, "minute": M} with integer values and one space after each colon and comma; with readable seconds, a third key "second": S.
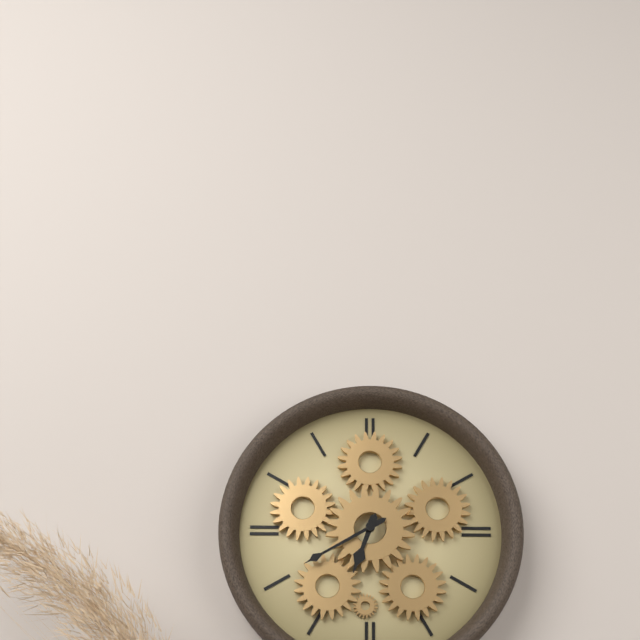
{"hour": 6, "minute": 40}
